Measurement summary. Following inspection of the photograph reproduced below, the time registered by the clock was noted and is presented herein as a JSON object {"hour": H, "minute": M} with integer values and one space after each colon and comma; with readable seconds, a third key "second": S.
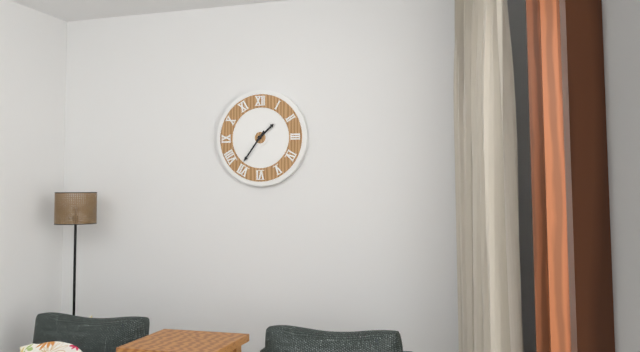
{"hour": 1, "minute": 36}
